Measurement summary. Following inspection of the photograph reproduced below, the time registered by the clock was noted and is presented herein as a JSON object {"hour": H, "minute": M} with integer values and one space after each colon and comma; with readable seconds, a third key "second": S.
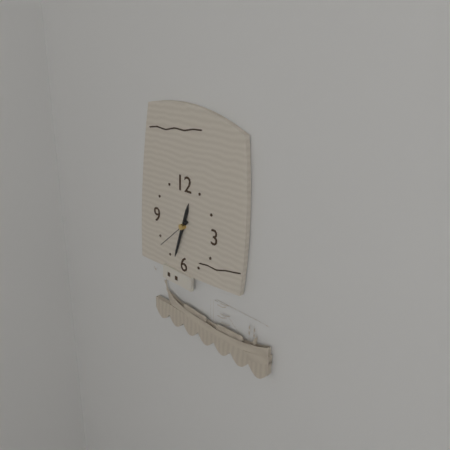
{"hour": 12, "minute": 33}
